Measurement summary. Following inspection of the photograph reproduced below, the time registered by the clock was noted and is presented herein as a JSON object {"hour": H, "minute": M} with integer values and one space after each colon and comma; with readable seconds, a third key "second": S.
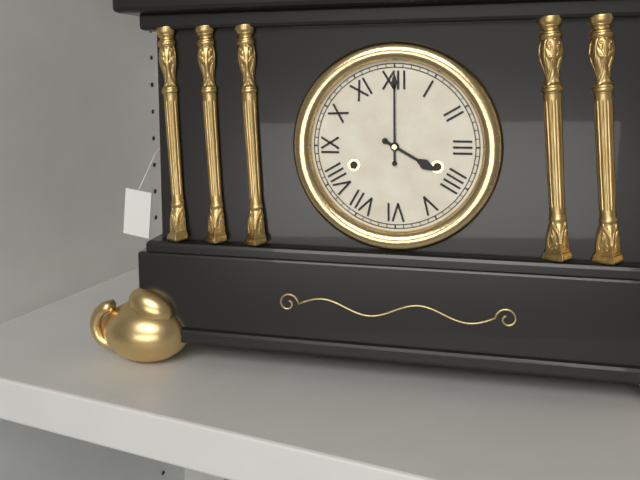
{"hour": 4, "minute": 0}
